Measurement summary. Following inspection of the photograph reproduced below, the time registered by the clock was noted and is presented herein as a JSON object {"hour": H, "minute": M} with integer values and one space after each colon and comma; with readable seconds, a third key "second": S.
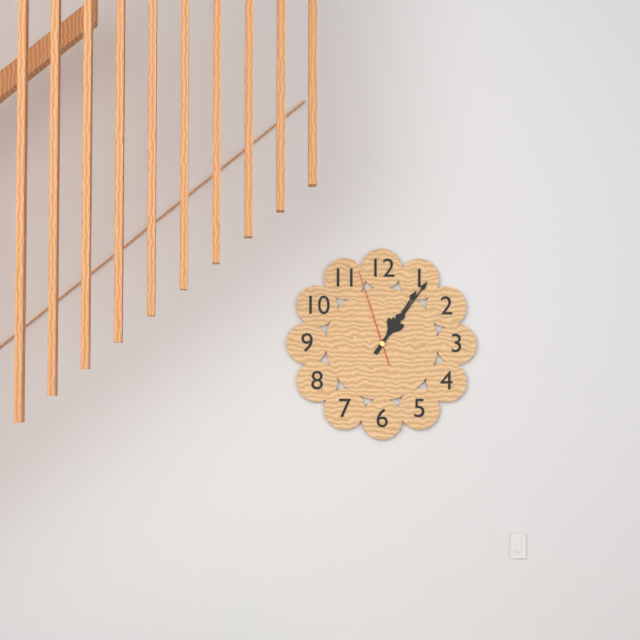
{"hour": 1, "minute": 6, "second": 57}
